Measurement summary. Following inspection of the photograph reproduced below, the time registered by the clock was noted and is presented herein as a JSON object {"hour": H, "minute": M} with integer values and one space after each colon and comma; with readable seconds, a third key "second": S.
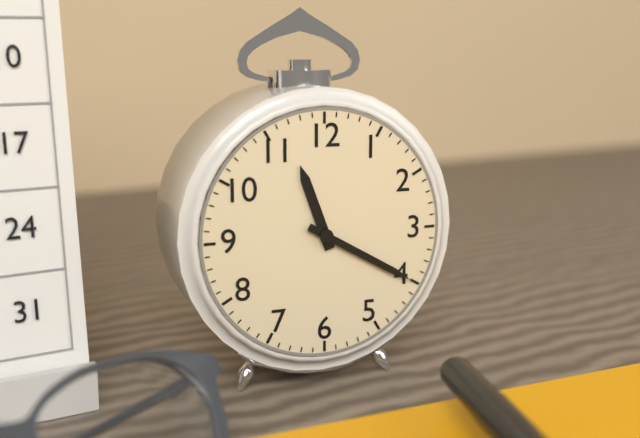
{"hour": 11, "minute": 20}
